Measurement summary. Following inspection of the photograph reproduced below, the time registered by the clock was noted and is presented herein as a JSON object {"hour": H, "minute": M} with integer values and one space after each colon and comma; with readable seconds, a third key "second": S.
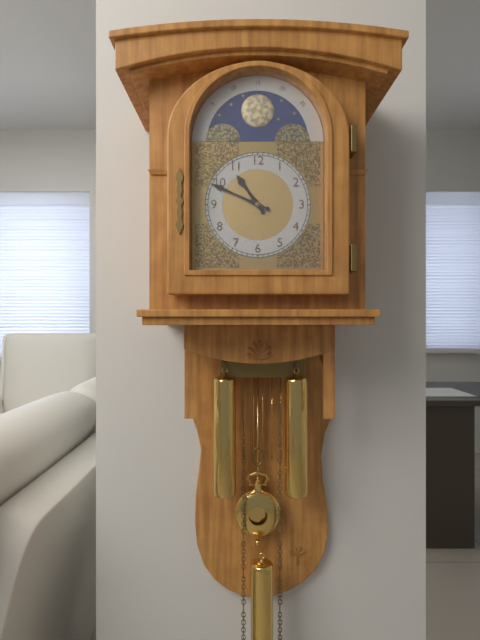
{"hour": 10, "minute": 49}
